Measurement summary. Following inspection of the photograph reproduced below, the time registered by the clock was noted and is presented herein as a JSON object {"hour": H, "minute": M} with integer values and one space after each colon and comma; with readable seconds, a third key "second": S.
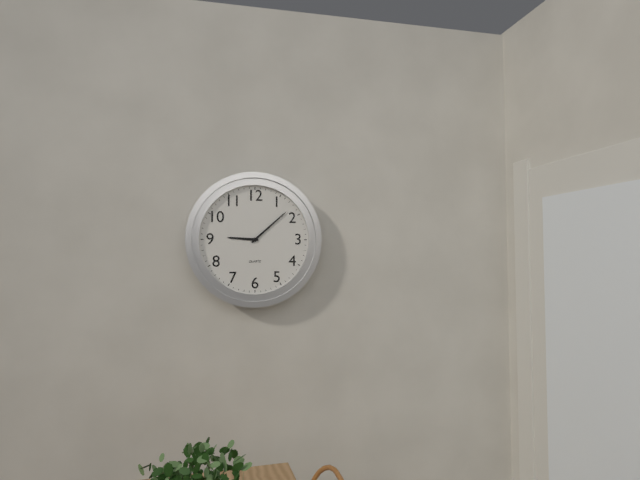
{"hour": 9, "minute": 8}
